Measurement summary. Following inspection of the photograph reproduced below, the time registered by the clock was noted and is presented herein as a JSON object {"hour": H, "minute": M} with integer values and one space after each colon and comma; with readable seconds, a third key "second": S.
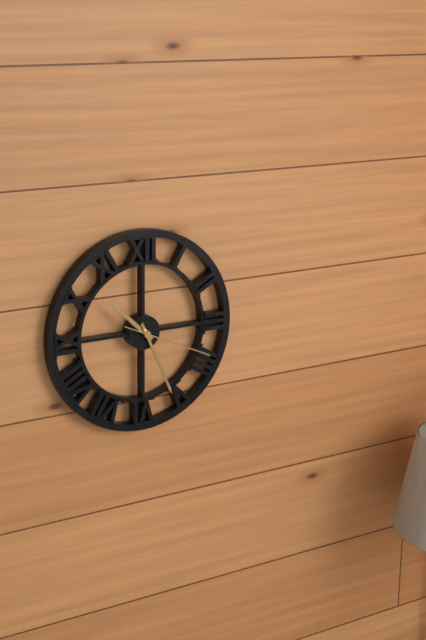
{"hour": 10, "minute": 26, "second": 19}
